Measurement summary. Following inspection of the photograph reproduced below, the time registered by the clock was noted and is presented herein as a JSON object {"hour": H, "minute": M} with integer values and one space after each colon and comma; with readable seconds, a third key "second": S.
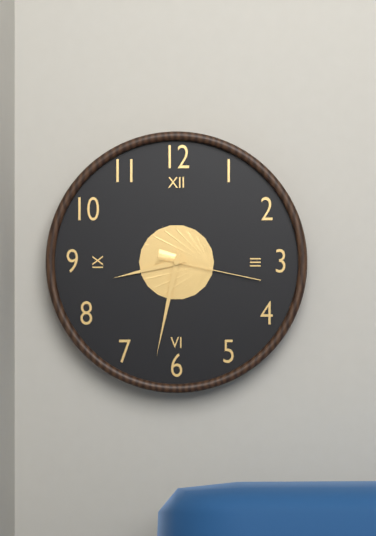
{"hour": 8, "minute": 32, "second": 17}
